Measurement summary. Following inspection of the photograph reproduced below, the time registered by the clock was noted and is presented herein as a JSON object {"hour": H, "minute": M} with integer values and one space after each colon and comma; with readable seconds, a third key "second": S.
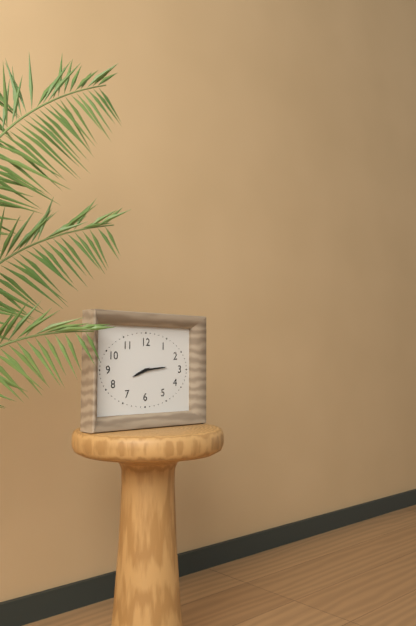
{"hour": 8, "minute": 14}
